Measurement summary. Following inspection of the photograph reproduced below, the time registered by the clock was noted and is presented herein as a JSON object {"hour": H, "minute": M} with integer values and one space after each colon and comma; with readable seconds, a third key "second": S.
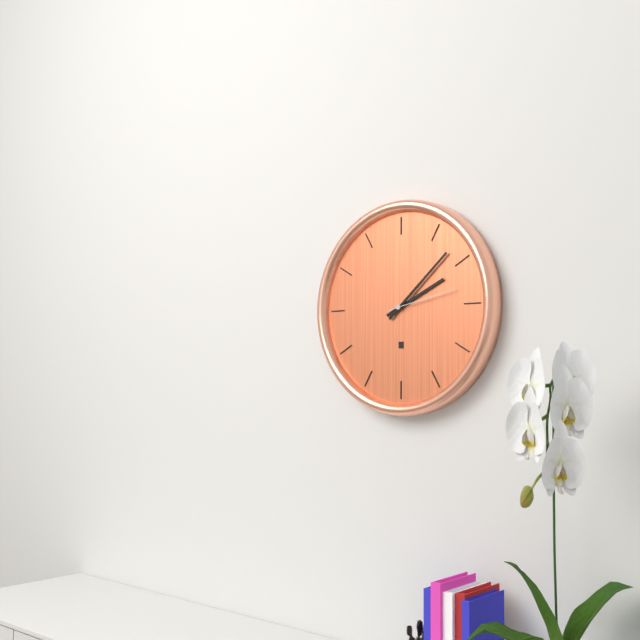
{"hour": 2, "minute": 8, "second": 13}
